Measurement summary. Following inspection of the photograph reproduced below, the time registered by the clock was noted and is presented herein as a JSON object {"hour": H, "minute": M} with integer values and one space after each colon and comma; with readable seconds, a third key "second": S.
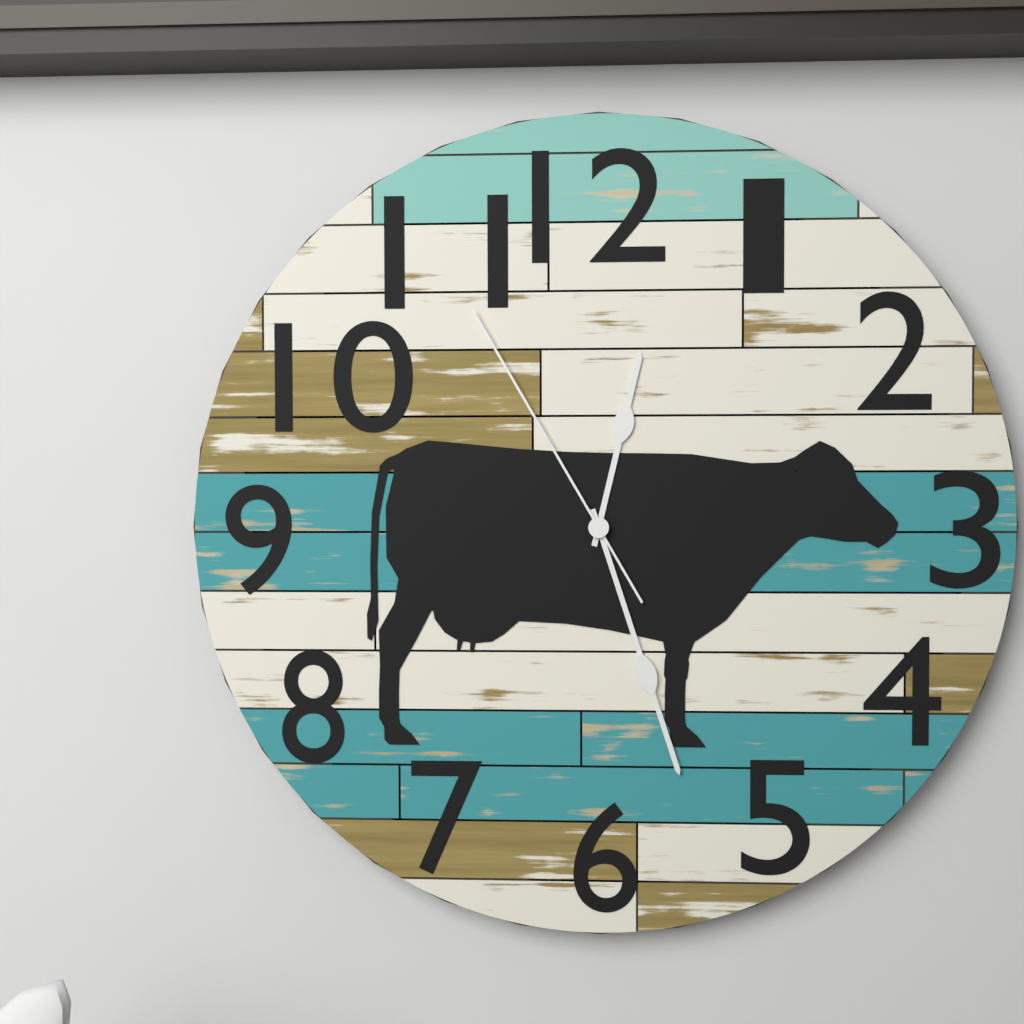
{"hour": 12, "minute": 27, "second": 55}
